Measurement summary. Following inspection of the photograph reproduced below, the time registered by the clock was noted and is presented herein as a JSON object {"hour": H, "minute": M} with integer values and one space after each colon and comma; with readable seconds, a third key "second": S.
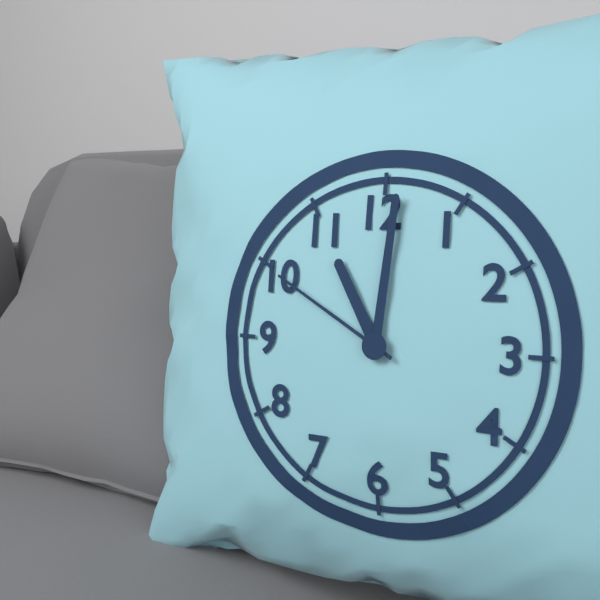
{"hour": 11, "minute": 1, "second": 50}
